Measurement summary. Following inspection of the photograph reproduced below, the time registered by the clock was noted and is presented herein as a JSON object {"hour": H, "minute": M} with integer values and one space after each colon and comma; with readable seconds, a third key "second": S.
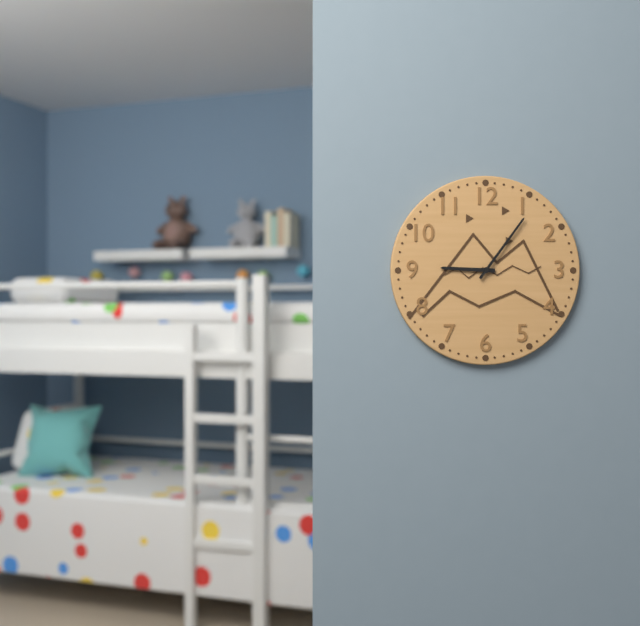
{"hour": 9, "minute": 6}
